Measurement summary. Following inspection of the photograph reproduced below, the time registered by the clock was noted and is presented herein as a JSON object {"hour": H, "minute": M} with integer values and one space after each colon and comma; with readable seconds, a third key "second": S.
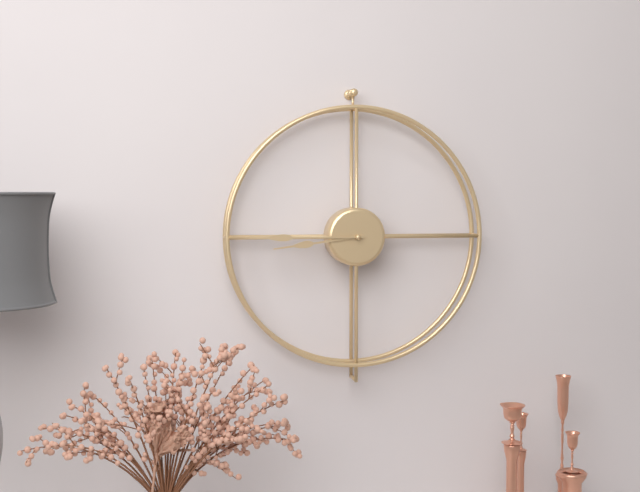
{"hour": 8, "minute": 45}
